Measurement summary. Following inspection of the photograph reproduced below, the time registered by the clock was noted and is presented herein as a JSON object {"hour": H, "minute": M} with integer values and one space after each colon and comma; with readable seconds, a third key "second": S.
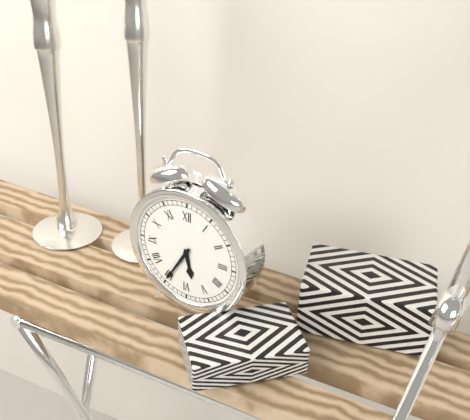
{"hour": 5, "minute": 35}
